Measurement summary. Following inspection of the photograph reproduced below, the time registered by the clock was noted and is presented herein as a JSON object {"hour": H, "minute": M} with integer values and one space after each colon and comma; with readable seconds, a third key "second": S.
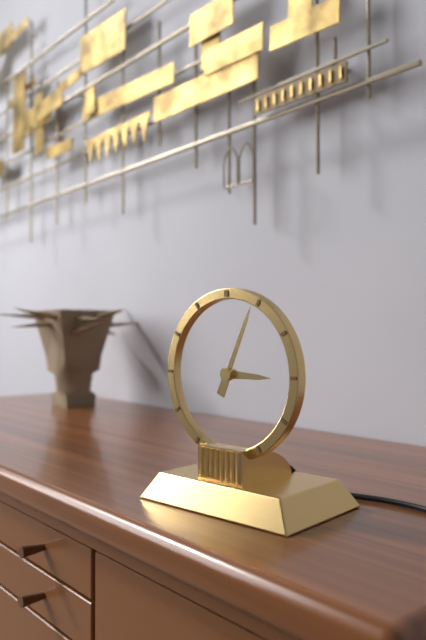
{"hour": 3, "minute": 4}
